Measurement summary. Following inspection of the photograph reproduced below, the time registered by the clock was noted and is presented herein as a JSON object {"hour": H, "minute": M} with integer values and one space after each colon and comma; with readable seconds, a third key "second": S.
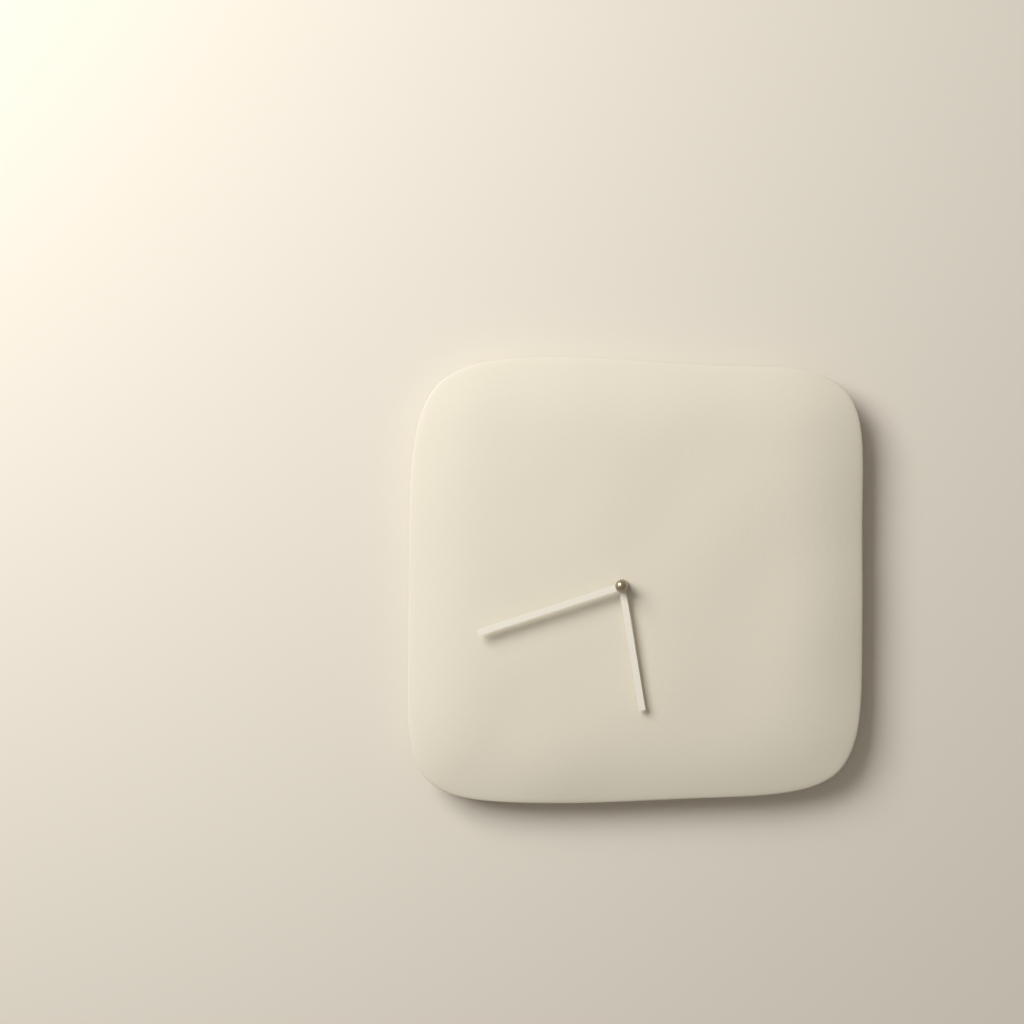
{"hour": 5, "minute": 42}
